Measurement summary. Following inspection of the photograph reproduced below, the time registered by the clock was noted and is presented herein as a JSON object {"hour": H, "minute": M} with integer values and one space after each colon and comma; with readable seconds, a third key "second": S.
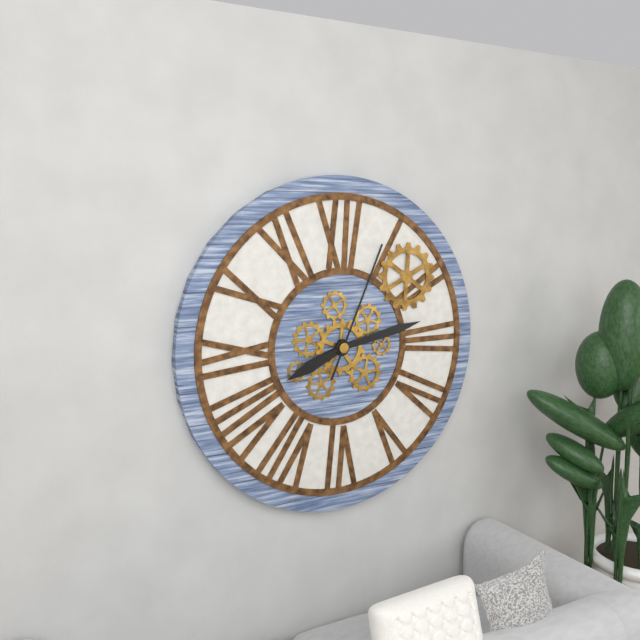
{"hour": 8, "minute": 13, "second": 4}
